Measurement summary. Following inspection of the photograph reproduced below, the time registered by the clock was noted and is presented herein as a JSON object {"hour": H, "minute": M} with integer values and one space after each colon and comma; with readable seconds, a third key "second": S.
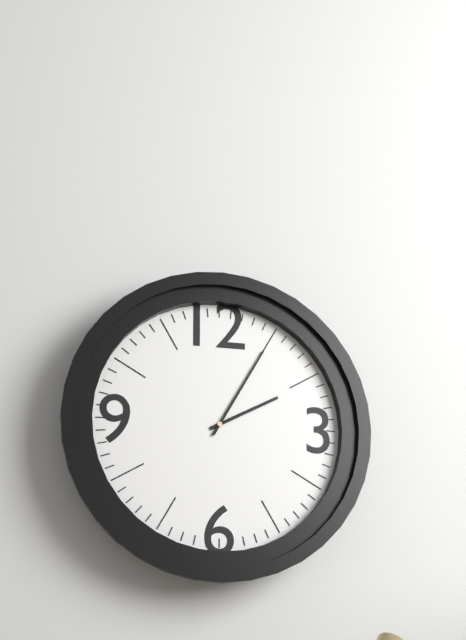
{"hour": 2, "minute": 5}
